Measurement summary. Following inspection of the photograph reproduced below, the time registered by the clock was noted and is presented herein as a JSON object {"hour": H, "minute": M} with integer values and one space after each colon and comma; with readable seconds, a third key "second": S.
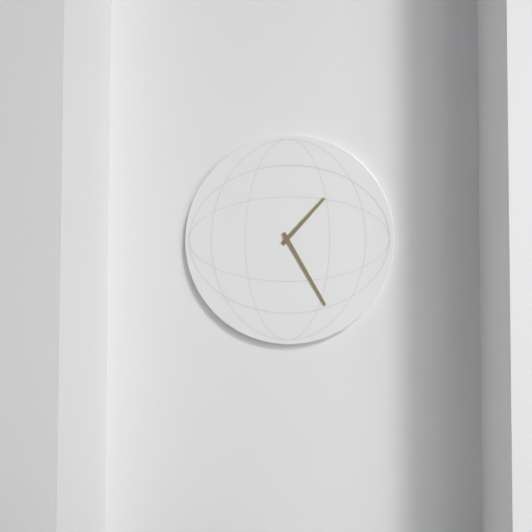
{"hour": 1, "minute": 25}
